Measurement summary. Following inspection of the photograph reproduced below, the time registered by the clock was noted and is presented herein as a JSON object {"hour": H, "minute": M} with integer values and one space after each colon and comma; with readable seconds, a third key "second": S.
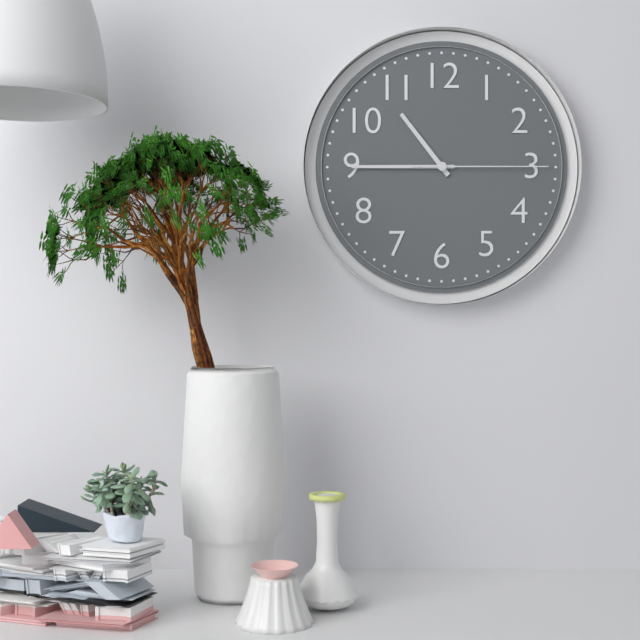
{"hour": 10, "minute": 45, "second": 15}
